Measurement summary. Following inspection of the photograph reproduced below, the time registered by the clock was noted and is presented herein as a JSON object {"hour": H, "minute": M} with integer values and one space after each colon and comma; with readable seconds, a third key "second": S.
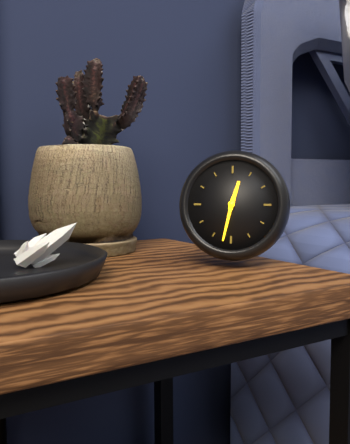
{"hour": 12, "minute": 32}
